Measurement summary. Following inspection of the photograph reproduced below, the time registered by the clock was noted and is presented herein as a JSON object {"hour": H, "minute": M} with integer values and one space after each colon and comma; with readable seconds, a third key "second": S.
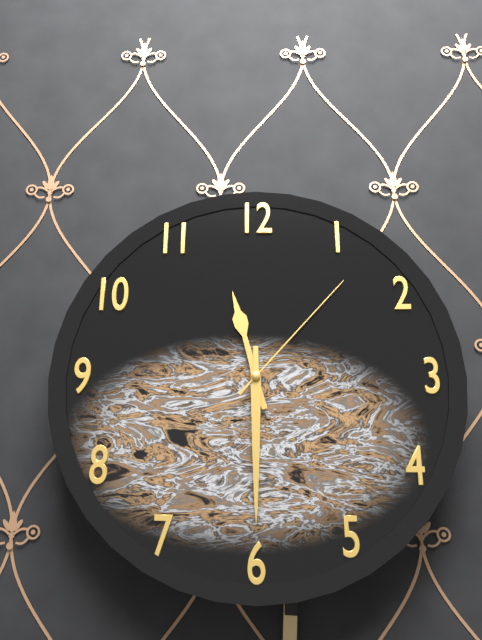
{"hour": 11, "minute": 30, "second": 7}
